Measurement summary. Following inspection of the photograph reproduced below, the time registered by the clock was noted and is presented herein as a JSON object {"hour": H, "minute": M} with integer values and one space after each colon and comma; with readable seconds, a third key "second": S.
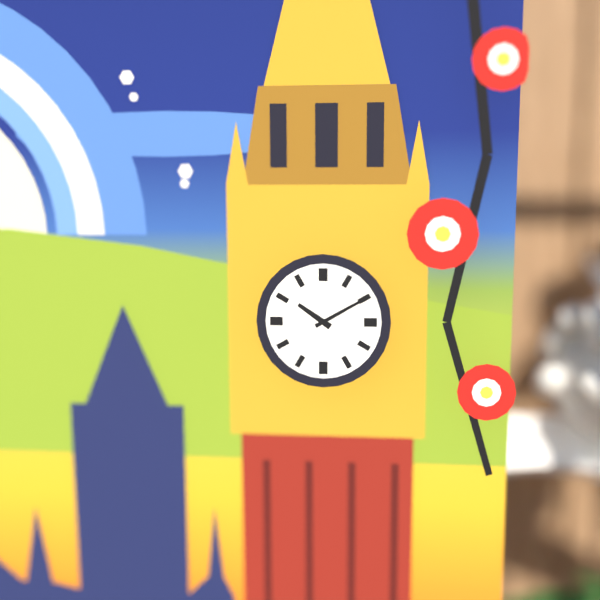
{"hour": 10, "minute": 10}
